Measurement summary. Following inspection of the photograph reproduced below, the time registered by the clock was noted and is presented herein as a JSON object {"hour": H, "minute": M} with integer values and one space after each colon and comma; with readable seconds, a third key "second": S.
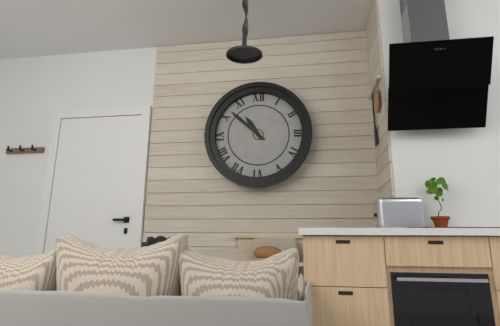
{"hour": 10, "minute": 52}
